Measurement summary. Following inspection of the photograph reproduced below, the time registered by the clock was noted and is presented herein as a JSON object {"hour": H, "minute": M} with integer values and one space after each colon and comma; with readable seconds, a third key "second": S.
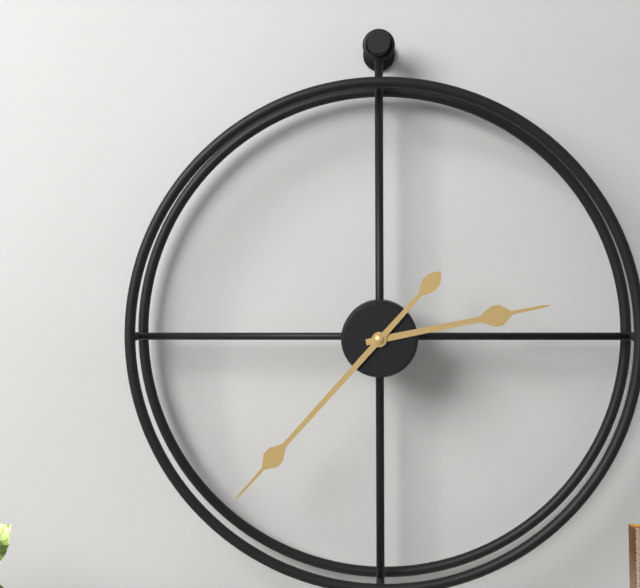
{"hour": 2, "minute": 37}
